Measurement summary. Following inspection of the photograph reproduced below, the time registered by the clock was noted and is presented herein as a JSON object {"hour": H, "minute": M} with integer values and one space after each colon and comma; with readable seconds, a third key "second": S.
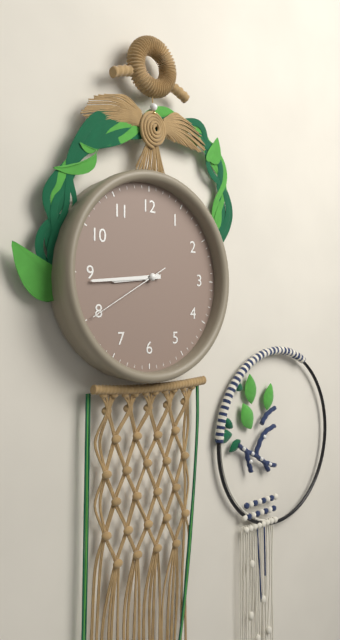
{"hour": 8, "minute": 44, "second": 40}
